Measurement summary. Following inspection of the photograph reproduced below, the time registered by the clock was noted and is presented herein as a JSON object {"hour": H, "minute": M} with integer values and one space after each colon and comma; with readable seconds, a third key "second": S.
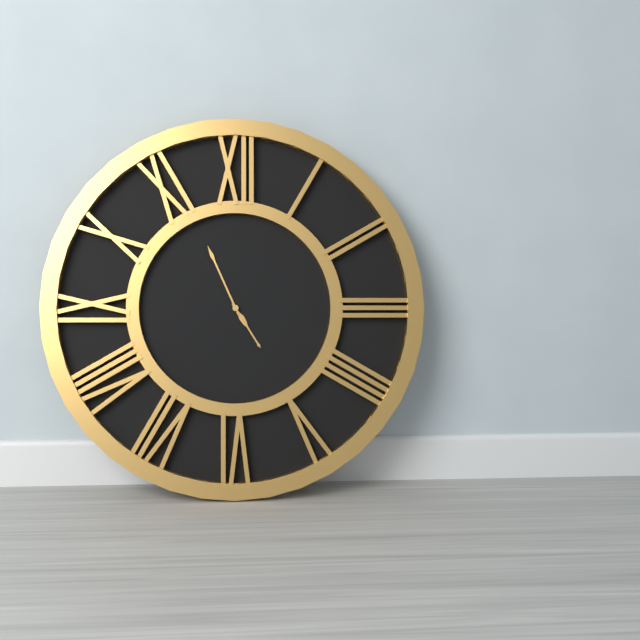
{"hour": 4, "minute": 56}
